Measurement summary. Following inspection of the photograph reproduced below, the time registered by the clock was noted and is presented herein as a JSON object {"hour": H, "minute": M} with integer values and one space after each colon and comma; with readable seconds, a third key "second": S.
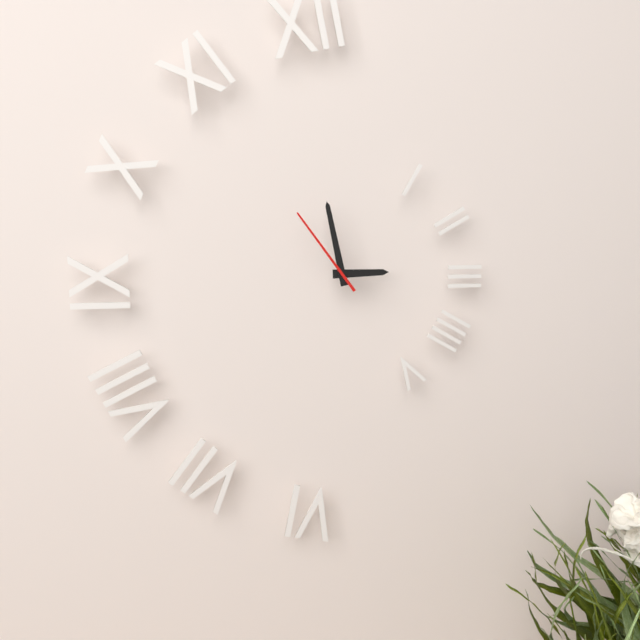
{"hour": 2, "minute": 58, "second": 54}
